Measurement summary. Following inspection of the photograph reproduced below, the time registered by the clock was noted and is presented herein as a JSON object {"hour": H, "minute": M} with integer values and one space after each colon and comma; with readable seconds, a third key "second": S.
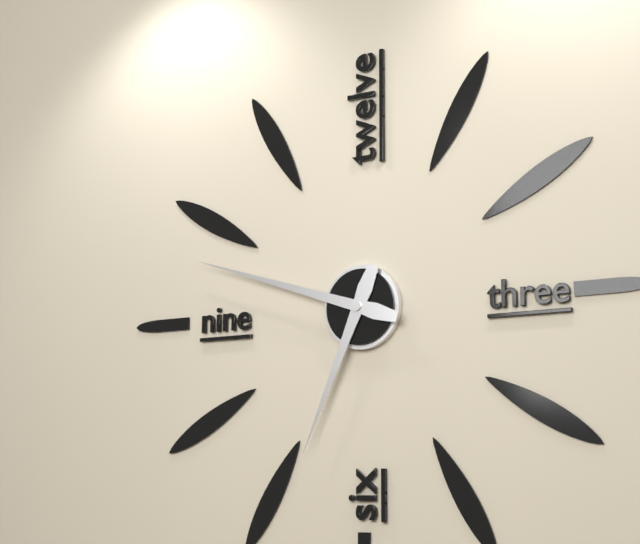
{"hour": 6, "minute": 48}
